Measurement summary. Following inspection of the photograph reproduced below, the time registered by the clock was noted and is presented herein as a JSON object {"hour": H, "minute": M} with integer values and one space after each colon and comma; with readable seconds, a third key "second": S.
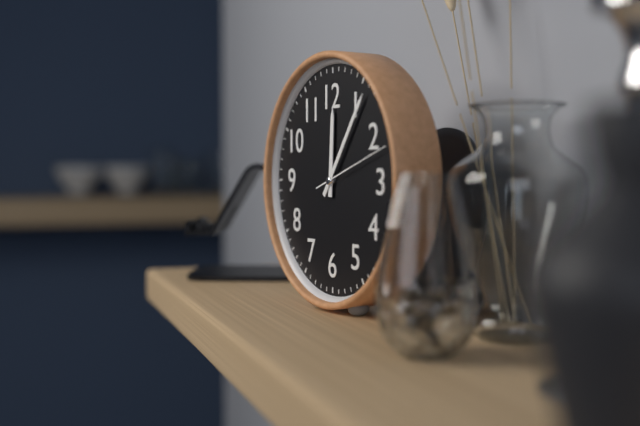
{"hour": 12, "minute": 6, "second": 12}
